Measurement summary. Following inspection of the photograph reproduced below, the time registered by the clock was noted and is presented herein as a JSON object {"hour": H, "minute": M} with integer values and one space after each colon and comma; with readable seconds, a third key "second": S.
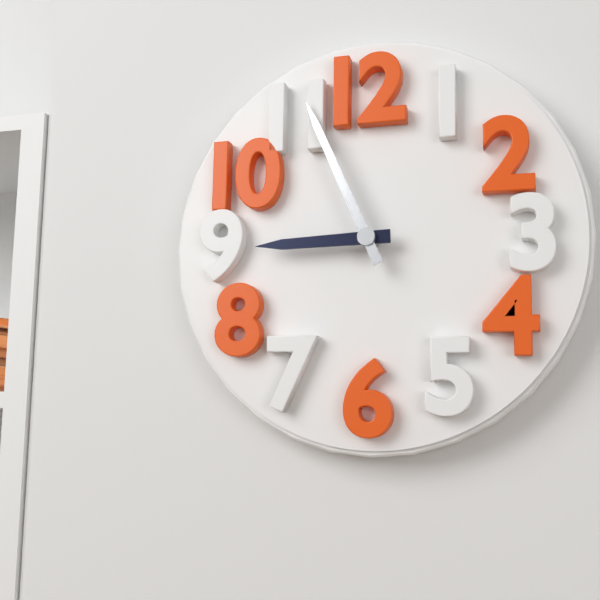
{"hour": 8, "minute": 56}
